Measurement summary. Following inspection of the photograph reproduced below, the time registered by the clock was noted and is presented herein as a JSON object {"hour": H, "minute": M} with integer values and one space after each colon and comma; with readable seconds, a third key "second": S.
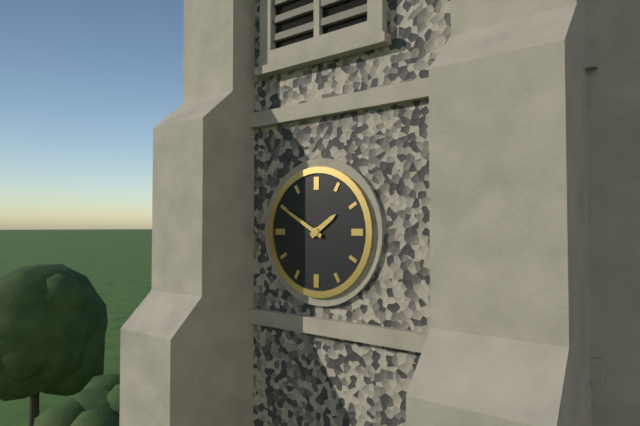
{"hour": 1, "minute": 50}
